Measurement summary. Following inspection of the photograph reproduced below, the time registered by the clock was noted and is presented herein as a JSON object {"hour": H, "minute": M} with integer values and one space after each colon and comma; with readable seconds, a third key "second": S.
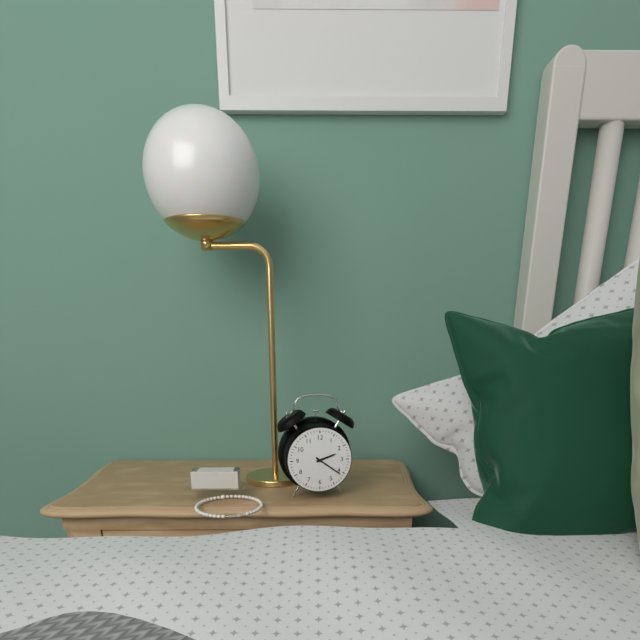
{"hour": 2, "minute": 21}
